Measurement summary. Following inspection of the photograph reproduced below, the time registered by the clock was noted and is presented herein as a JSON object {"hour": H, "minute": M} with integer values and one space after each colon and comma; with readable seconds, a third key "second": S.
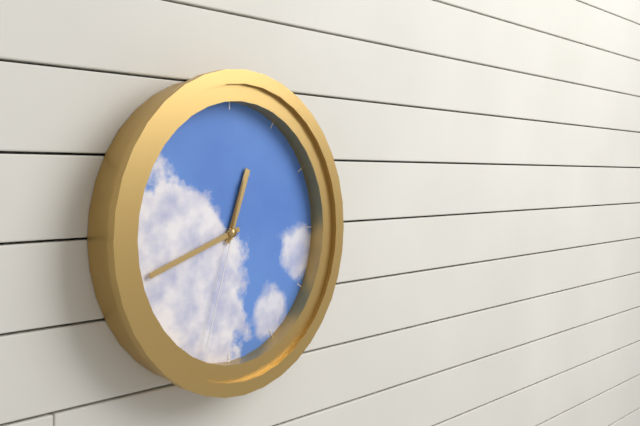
{"hour": 12, "minute": 42, "second": 33}
